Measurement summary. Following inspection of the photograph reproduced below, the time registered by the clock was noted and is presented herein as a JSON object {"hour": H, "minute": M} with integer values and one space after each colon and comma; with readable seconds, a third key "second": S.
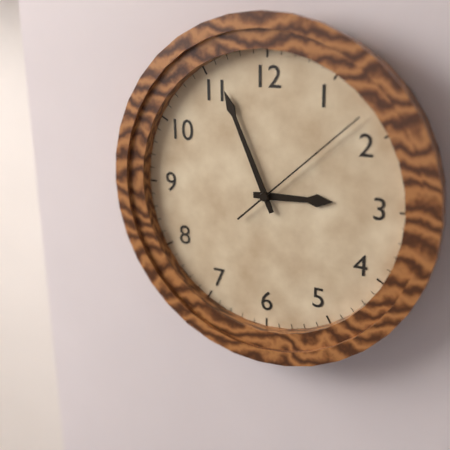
{"hour": 2, "minute": 56, "second": 8}
